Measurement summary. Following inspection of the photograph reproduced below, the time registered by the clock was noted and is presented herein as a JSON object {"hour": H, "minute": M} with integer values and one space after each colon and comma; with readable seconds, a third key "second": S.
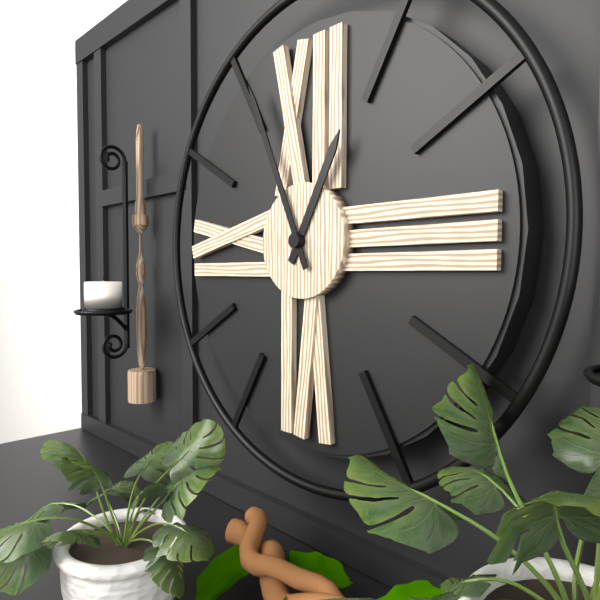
{"hour": 12, "minute": 56}
